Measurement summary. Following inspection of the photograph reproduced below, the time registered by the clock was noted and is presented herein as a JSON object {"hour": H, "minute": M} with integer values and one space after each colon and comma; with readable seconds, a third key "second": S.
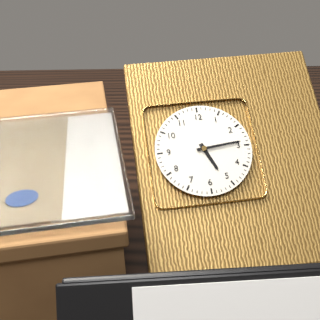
{"hour": 5, "minute": 14}
